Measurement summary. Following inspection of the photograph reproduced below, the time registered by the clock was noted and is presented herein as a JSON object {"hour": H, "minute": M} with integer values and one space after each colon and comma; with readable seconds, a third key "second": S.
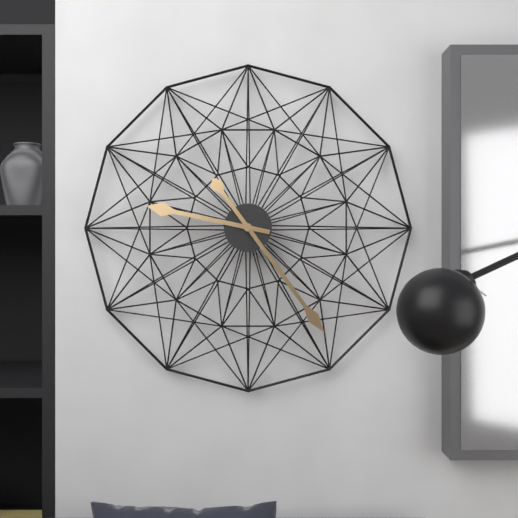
{"hour": 9, "minute": 24}
